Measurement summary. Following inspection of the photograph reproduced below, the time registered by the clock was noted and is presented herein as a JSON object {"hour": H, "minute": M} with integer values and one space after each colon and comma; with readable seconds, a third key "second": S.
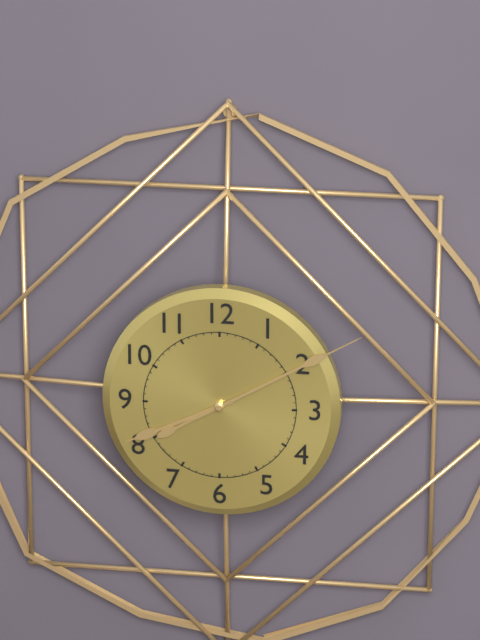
{"hour": 8, "minute": 10}
